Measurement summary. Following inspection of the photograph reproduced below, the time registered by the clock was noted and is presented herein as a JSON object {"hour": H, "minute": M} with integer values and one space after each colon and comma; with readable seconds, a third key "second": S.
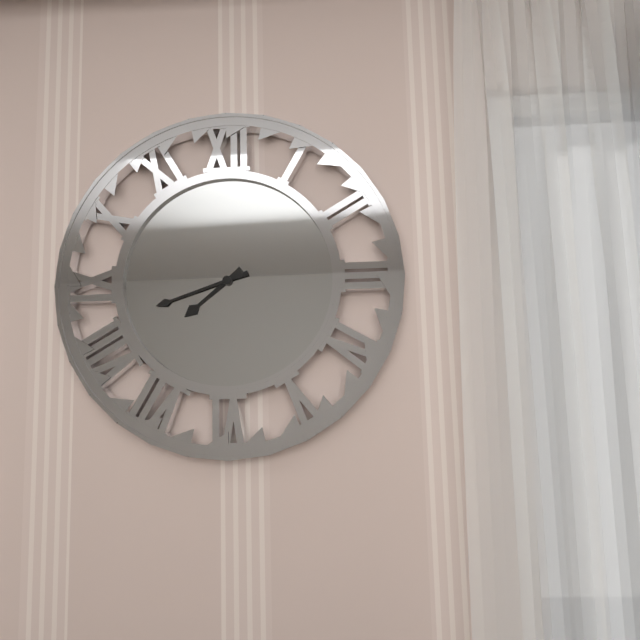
{"hour": 7, "minute": 42}
